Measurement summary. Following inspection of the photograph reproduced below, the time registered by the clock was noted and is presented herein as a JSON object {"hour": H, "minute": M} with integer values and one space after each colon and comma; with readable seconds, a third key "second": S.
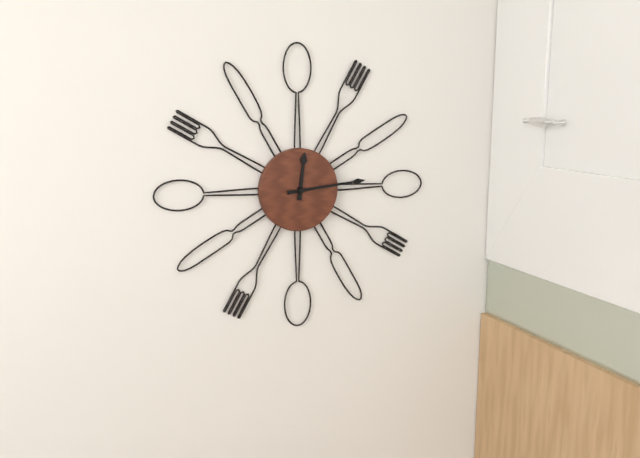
{"hour": 12, "minute": 14}
